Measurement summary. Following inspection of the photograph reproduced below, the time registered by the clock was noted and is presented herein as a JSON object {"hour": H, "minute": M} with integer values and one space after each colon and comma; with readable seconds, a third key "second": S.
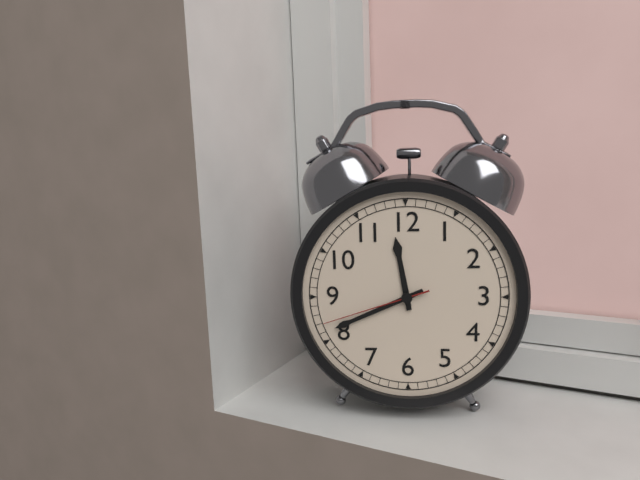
{"hour": 11, "minute": 41, "second": 42}
